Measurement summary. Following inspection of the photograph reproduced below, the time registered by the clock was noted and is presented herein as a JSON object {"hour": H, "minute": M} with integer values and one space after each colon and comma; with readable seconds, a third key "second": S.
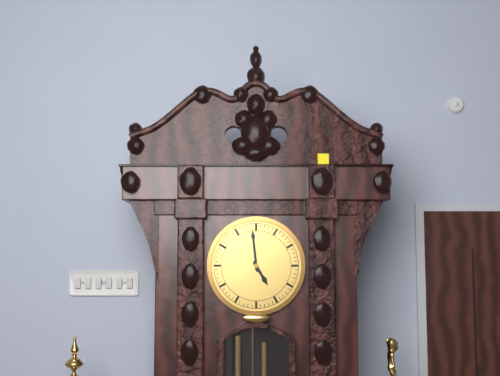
{"hour": 4, "minute": 59}
